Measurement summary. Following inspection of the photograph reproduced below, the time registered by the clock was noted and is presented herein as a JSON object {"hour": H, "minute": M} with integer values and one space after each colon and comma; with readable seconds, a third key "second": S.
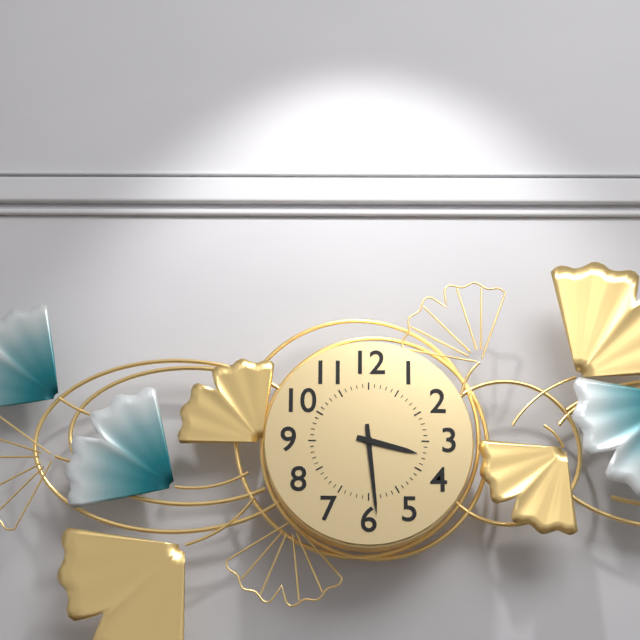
{"hour": 3, "minute": 29}
